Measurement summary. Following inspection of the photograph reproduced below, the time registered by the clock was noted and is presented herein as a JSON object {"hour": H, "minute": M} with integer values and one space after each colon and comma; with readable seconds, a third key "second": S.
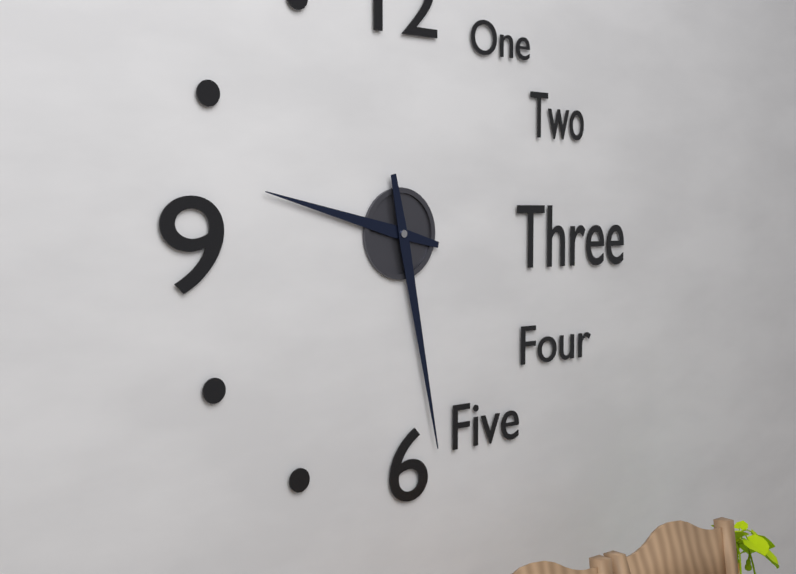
{"hour": 9, "minute": 28}
